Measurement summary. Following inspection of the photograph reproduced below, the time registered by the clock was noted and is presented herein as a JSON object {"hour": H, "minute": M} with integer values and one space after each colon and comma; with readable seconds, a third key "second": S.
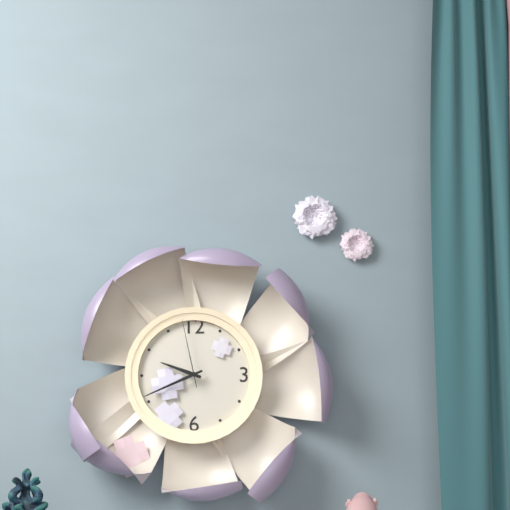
{"hour": 9, "minute": 41, "second": 58}
